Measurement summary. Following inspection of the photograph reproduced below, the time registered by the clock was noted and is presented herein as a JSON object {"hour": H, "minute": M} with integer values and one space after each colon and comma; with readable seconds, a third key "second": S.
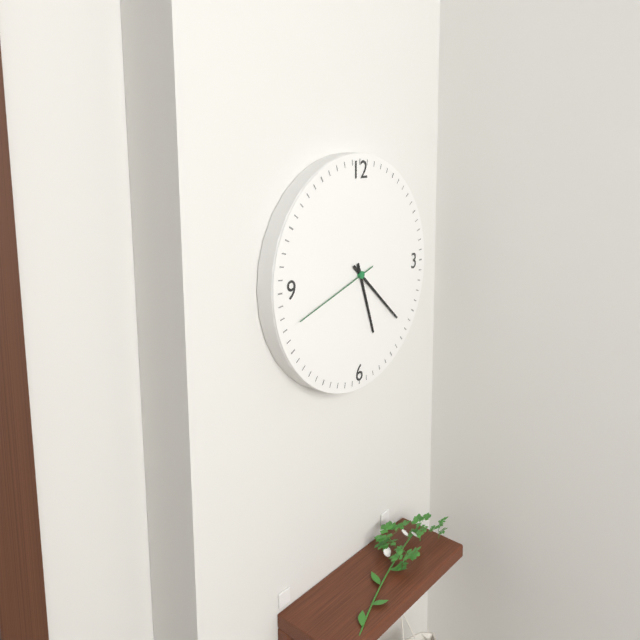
{"hour": 5, "minute": 22, "second": 42}
